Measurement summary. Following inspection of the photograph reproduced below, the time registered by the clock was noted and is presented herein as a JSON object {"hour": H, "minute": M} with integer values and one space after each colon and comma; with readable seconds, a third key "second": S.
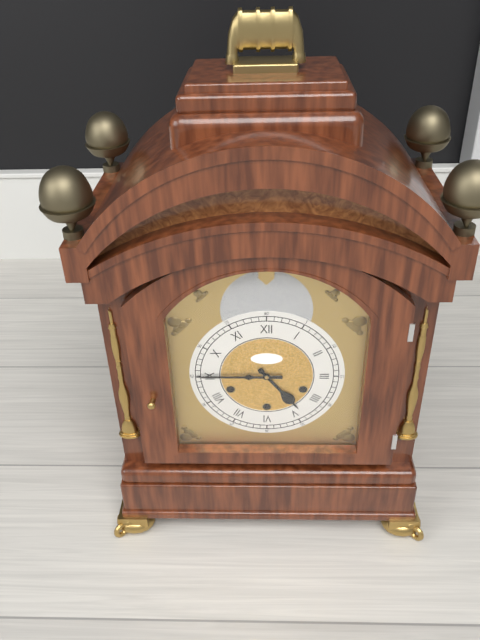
{"hour": 4, "minute": 45}
